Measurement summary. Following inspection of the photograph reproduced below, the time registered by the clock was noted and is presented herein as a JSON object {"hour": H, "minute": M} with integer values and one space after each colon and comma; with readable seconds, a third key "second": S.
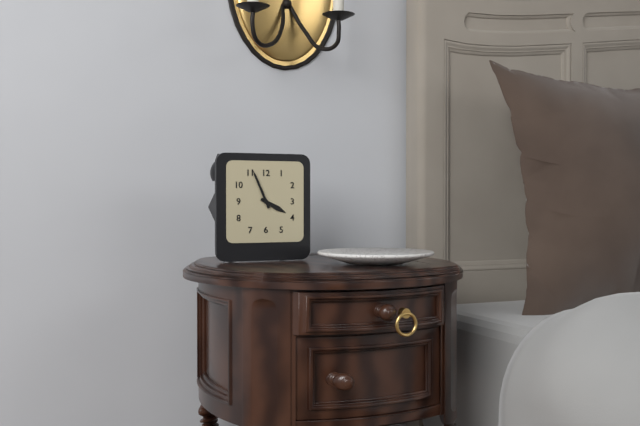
{"hour": 3, "minute": 56}
